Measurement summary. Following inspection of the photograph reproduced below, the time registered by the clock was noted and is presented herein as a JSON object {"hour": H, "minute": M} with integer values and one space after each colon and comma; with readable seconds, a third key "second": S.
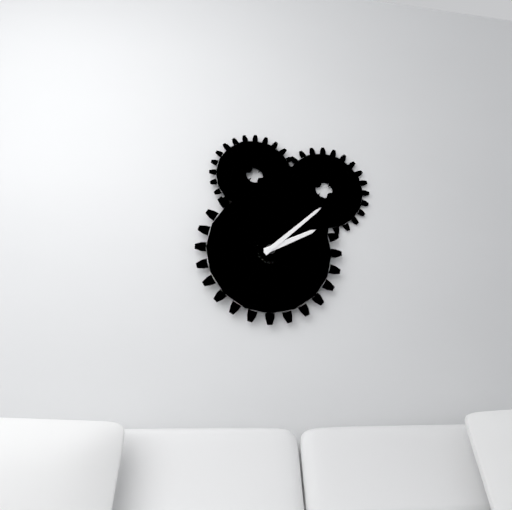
{"hour": 2, "minute": 8}
